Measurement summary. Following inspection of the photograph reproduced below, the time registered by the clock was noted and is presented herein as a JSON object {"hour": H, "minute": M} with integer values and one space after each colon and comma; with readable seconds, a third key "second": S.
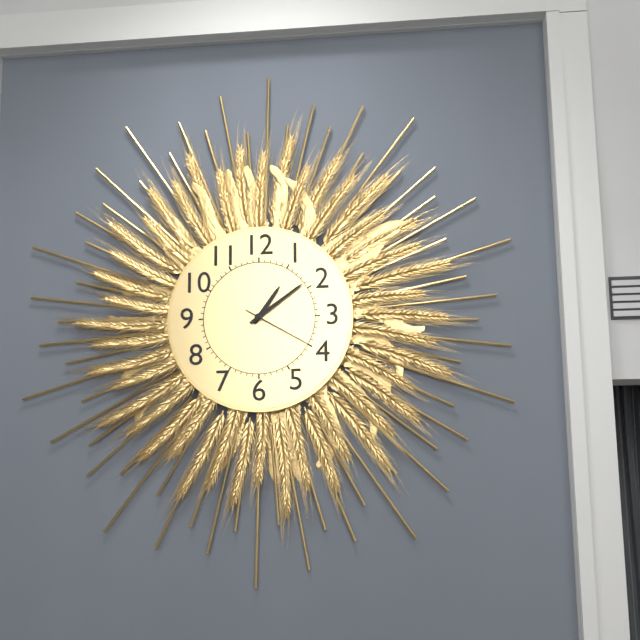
{"hour": 1, "minute": 9, "second": 20}
